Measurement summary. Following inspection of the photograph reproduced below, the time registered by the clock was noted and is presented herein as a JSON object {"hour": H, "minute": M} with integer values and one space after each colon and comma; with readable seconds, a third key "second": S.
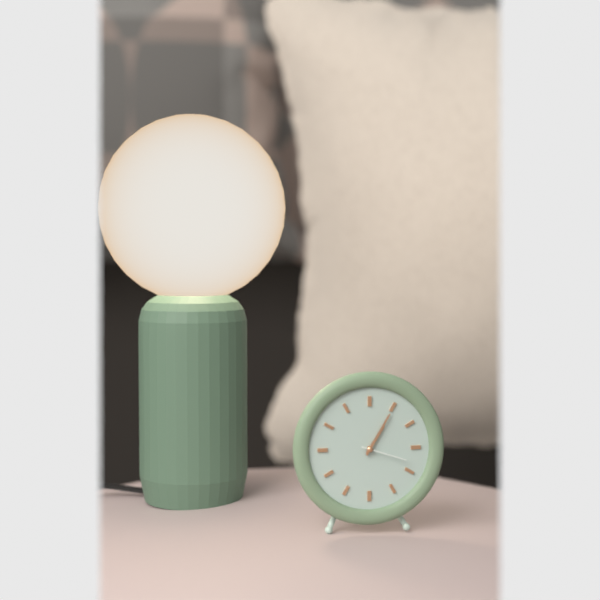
{"hour": 1, "minute": 5}
